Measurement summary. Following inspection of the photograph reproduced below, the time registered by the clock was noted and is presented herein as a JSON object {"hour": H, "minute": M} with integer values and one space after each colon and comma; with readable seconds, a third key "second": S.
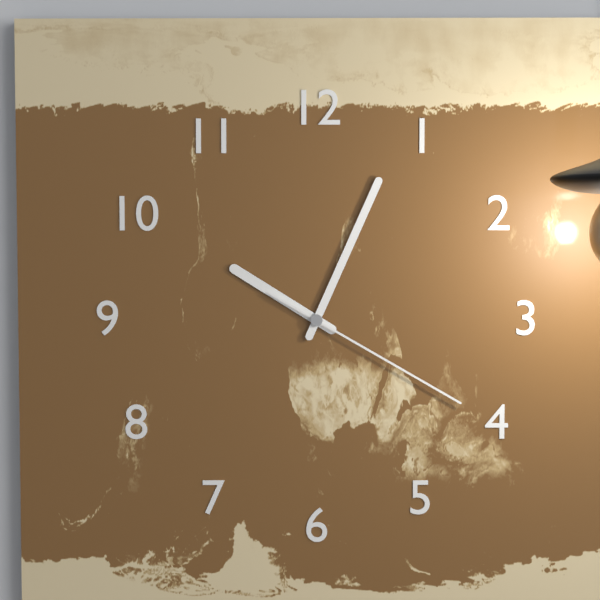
{"hour": 10, "minute": 4, "second": 20}
